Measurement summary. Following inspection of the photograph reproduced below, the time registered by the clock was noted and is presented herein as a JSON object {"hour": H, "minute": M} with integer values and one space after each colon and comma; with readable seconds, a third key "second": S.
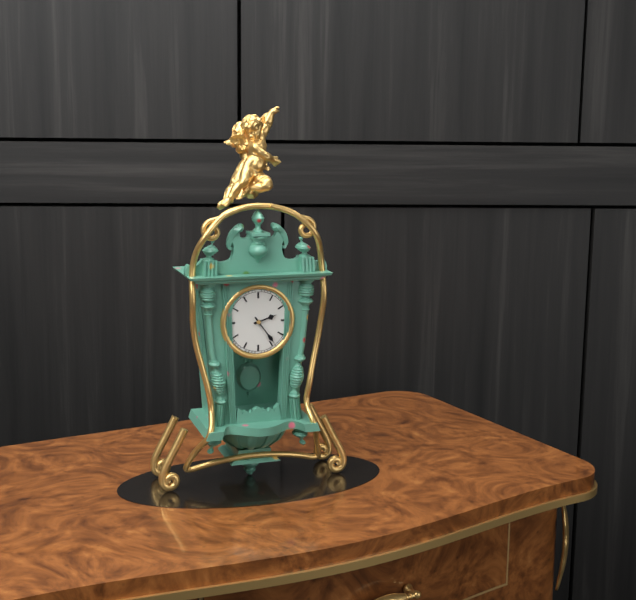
{"hour": 2, "minute": 24}
